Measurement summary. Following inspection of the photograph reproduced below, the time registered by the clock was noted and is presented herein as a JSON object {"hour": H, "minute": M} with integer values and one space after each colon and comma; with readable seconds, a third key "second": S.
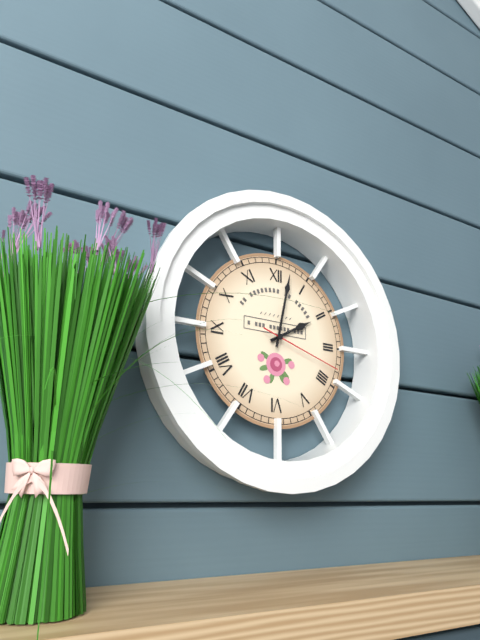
{"hour": 2, "minute": 2, "second": 18}
